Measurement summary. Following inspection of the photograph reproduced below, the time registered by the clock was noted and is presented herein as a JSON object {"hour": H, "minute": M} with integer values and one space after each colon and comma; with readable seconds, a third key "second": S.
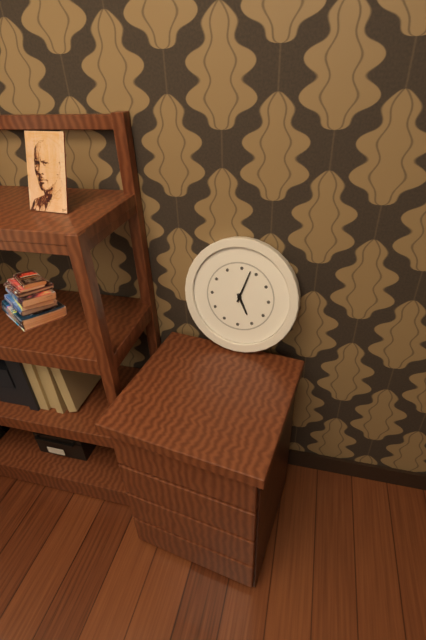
{"hour": 5, "minute": 3}
